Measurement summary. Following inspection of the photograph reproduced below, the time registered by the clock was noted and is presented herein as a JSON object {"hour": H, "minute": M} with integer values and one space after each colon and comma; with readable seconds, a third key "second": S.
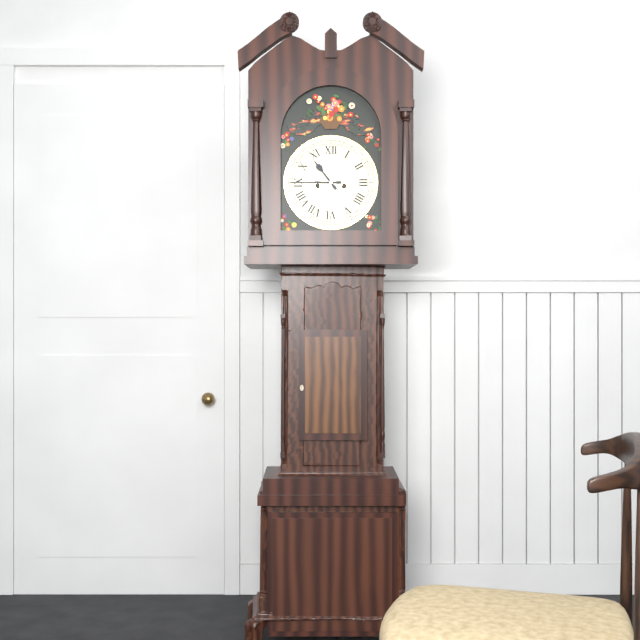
{"hour": 10, "minute": 45}
